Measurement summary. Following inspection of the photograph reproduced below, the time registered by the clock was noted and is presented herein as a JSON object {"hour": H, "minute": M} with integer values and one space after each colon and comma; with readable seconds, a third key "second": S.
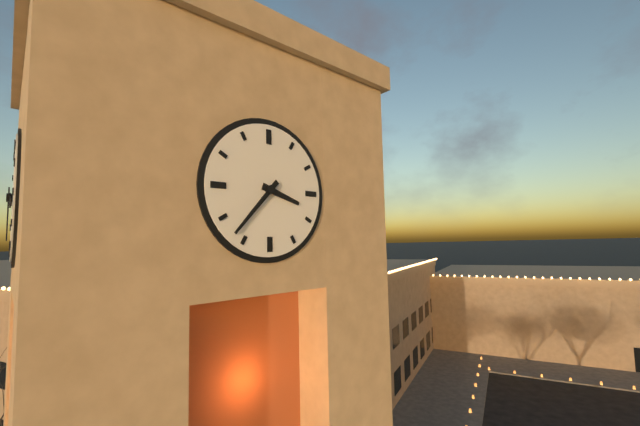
{"hour": 3, "minute": 37}
